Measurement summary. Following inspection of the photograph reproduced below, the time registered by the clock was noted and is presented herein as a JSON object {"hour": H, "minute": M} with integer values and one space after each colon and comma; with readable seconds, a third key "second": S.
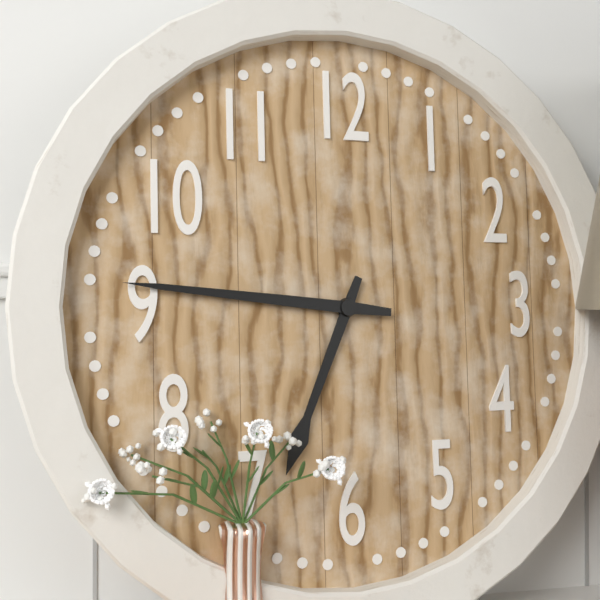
{"hour": 6, "minute": 46}
